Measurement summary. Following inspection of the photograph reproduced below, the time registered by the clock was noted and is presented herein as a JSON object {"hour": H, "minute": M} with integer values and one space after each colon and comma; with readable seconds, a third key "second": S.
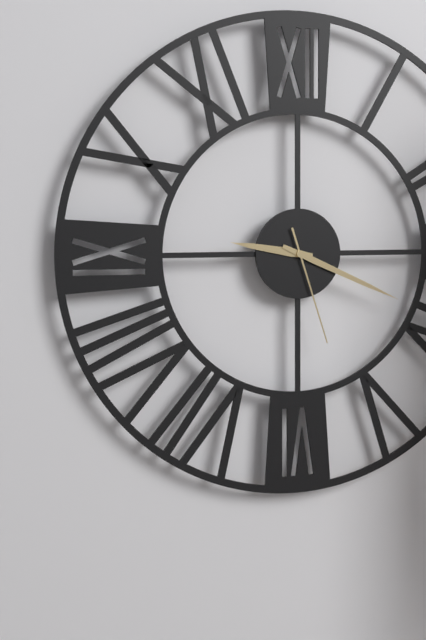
{"hour": 9, "minute": 19, "second": 27}
